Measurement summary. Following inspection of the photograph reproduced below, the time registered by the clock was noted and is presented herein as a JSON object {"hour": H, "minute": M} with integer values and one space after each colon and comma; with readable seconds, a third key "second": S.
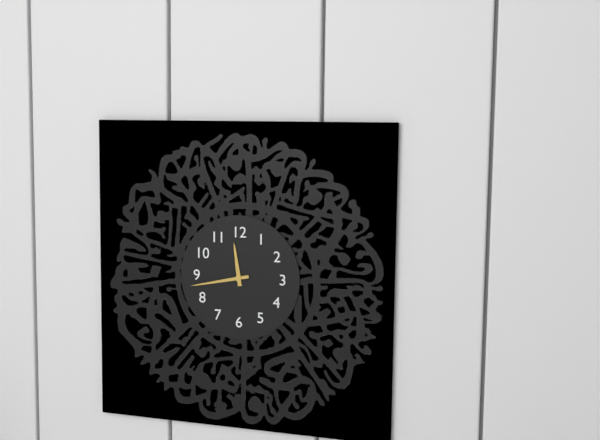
{"hour": 11, "minute": 43}
